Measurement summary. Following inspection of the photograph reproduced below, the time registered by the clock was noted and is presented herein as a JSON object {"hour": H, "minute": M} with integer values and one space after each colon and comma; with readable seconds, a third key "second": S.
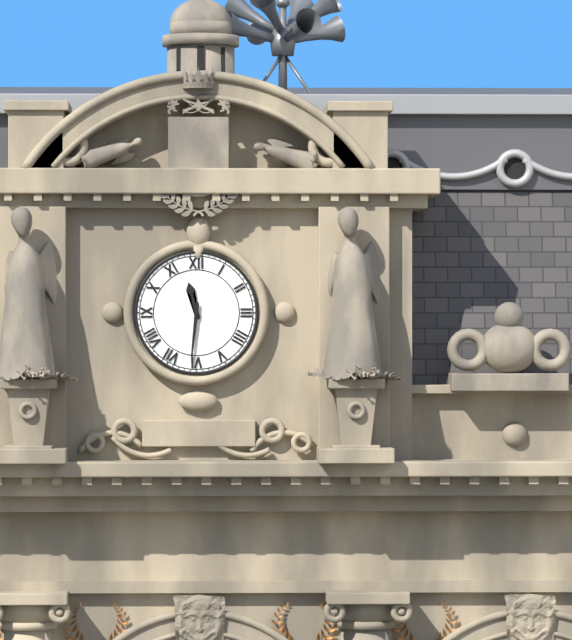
{"hour": 11, "minute": 31}
